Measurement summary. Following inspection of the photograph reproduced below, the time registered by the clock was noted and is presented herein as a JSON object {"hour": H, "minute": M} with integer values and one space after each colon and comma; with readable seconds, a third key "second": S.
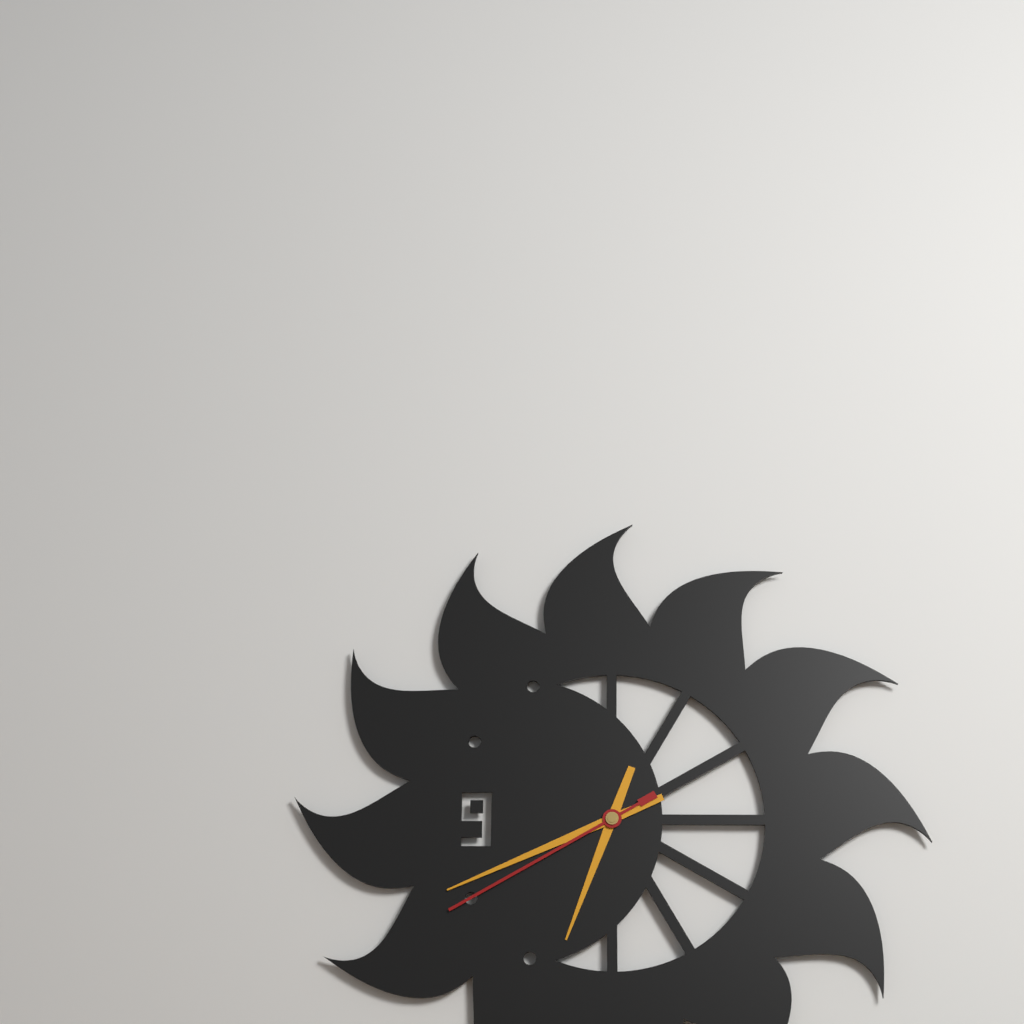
{"hour": 6, "minute": 41, "second": 40}
